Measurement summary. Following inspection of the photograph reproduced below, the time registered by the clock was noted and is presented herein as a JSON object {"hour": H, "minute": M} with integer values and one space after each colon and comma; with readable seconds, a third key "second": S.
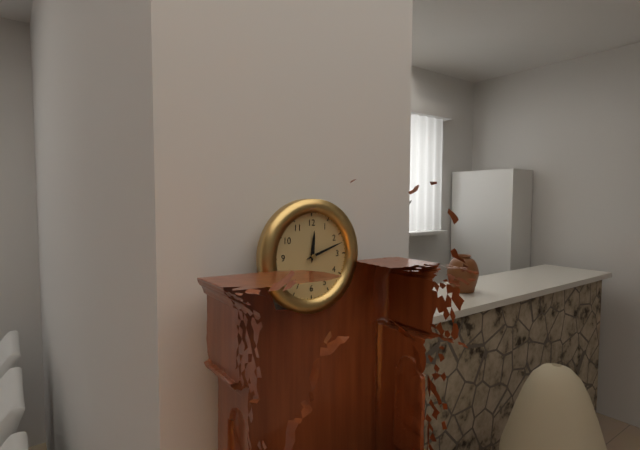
{"hour": 12, "minute": 12}
